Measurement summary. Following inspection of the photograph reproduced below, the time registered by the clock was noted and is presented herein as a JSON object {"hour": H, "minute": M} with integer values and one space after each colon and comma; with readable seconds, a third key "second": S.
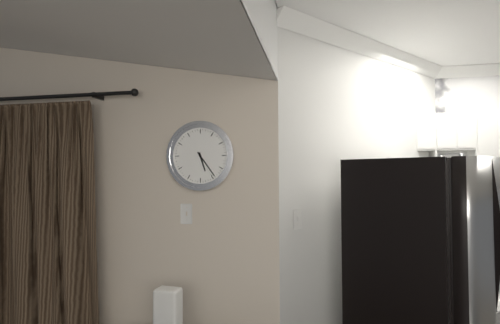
{"hour": 5, "minute": 24}
